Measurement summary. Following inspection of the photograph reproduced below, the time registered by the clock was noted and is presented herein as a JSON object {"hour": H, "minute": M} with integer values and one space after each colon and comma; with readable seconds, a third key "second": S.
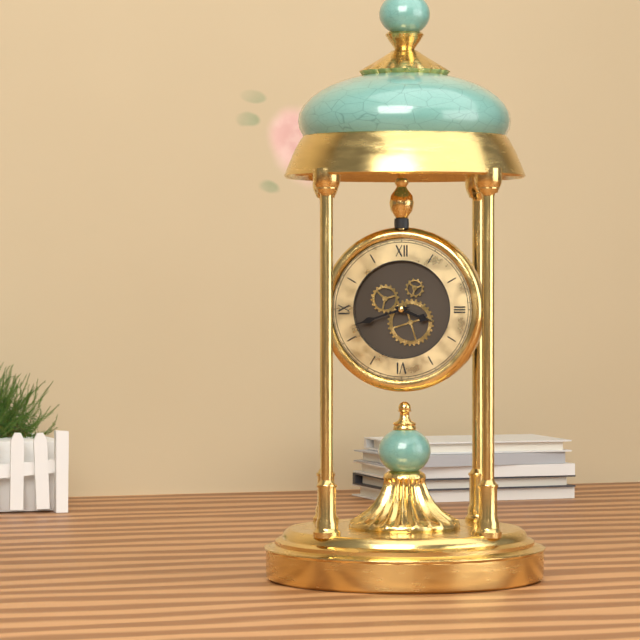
{"hour": 3, "minute": 42}
